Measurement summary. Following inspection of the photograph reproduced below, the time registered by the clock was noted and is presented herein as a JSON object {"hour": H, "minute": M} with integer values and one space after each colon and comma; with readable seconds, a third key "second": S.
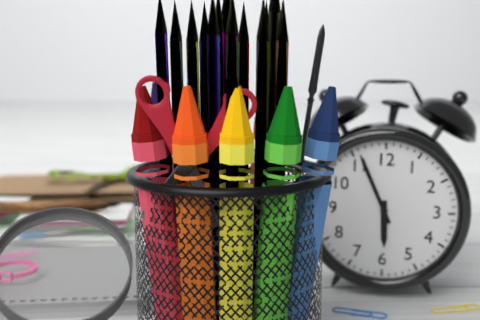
{"hour": 5, "minute": 56}
